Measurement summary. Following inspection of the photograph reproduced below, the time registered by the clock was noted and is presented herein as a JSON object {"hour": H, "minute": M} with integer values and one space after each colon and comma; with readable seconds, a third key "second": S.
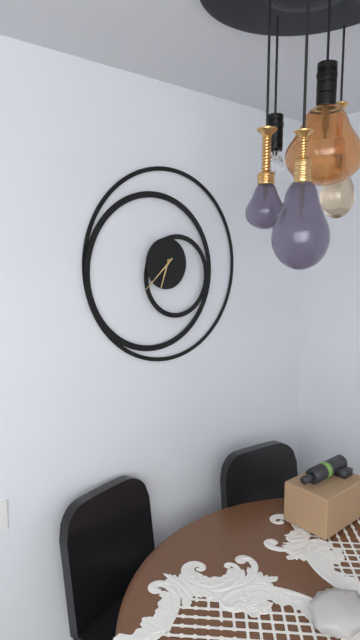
{"hour": 6, "minute": 38}
